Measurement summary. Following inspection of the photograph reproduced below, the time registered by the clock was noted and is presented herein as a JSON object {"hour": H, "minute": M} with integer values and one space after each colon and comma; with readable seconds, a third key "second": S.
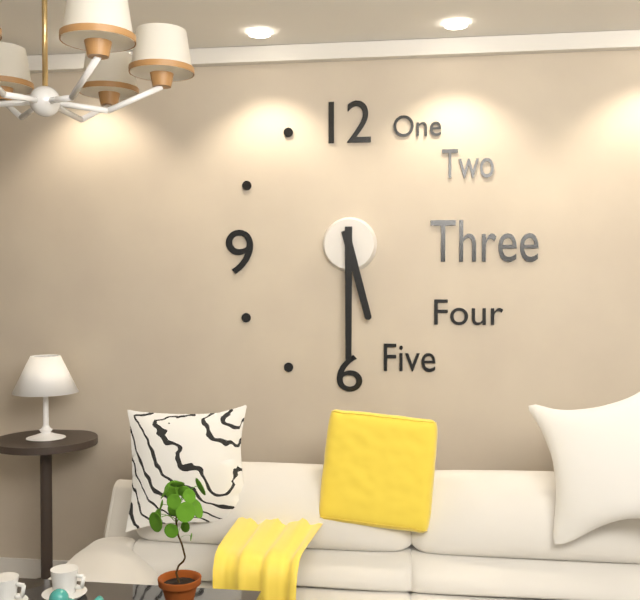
{"hour": 5, "minute": 30}
